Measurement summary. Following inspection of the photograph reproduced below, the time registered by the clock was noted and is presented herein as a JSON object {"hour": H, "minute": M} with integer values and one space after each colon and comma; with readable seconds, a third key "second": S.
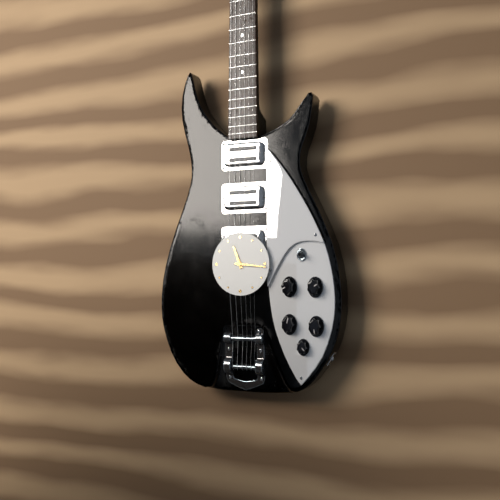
{"hour": 11, "minute": 16}
